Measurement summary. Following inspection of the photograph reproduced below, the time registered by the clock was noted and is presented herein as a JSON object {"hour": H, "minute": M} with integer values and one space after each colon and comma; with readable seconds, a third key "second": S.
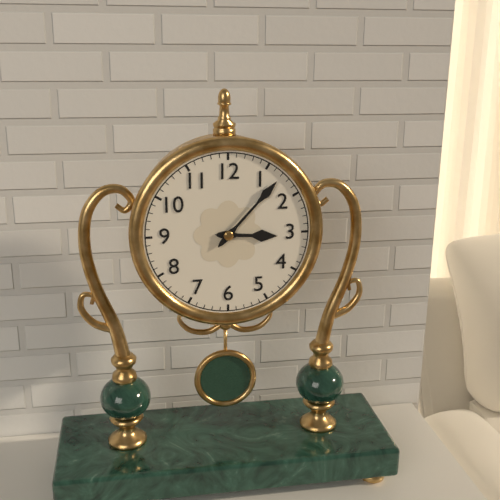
{"hour": 3, "minute": 7}
